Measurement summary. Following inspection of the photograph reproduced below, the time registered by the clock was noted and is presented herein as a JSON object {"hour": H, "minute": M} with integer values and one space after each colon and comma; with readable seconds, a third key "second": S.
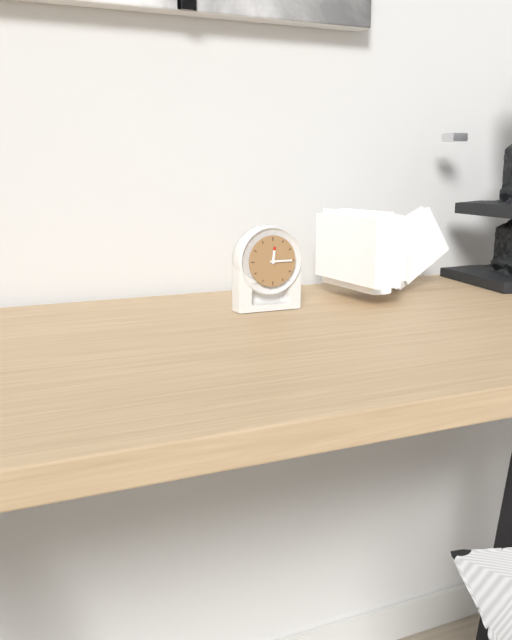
{"hour": 12, "minute": 15}
